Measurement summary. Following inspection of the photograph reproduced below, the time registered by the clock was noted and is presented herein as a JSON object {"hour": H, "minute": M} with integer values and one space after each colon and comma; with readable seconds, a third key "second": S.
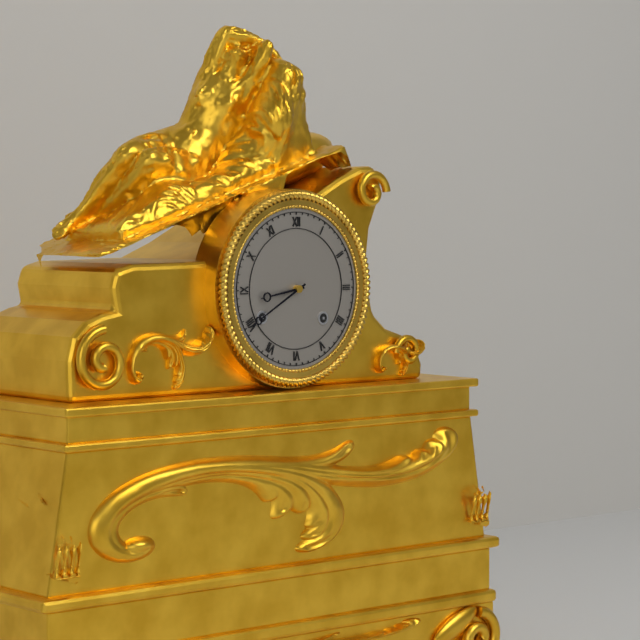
{"hour": 8, "minute": 40}
